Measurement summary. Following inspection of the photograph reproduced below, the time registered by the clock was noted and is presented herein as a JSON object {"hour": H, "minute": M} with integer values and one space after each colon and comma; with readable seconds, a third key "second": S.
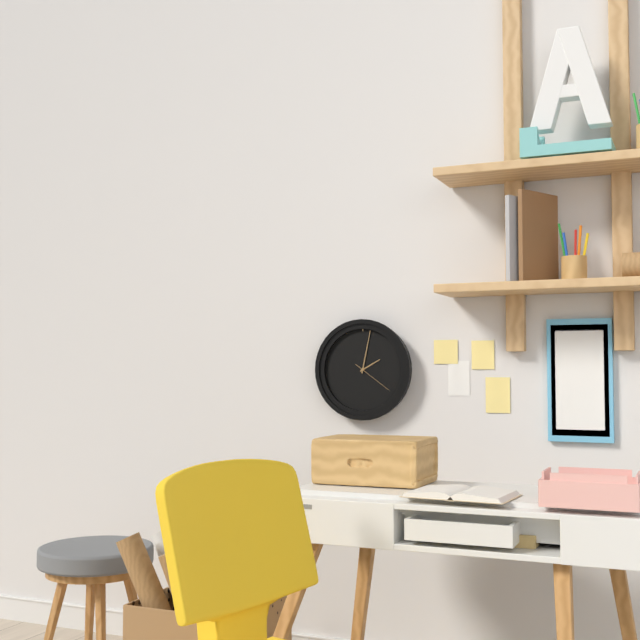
{"hour": 2, "minute": 2}
